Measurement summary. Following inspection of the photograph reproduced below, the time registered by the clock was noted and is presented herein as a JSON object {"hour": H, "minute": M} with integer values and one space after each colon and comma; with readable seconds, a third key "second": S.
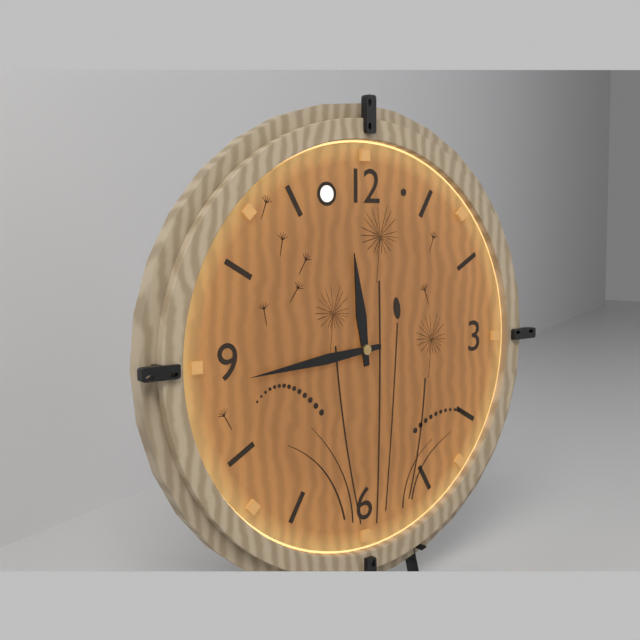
{"hour": 11, "minute": 44}
